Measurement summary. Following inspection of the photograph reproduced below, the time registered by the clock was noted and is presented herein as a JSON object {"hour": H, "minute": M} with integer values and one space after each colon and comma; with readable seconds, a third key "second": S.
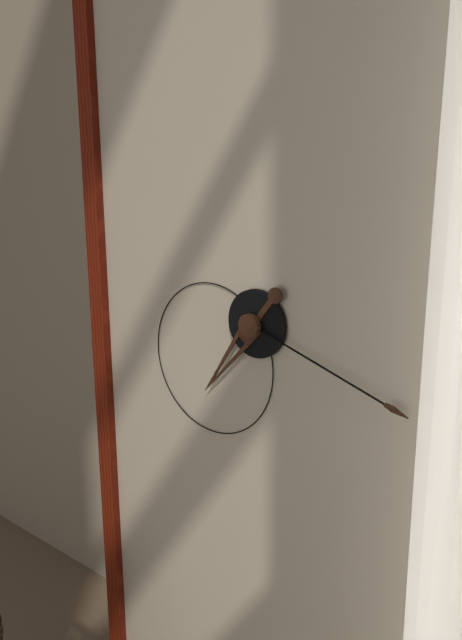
{"hour": 7, "minute": 18}
